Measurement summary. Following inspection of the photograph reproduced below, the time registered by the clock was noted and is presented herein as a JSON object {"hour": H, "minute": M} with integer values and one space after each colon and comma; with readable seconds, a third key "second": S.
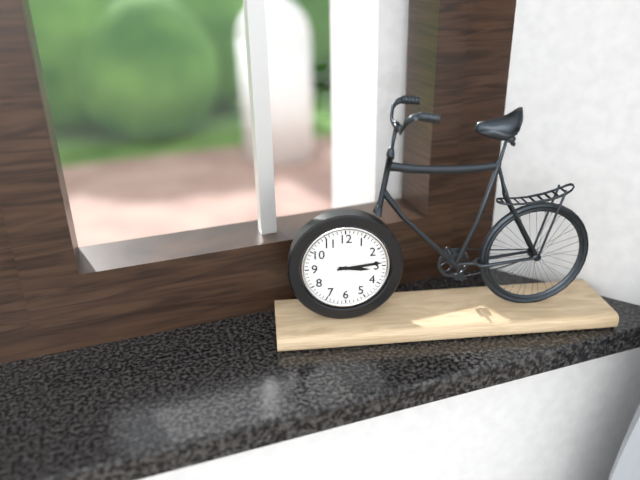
{"hour": 3, "minute": 14}
